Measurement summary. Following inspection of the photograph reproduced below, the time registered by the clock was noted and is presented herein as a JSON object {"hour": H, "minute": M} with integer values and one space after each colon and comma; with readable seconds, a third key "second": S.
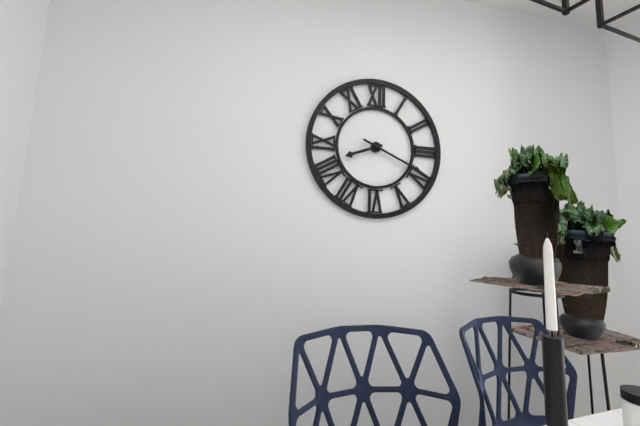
{"hour": 8, "minute": 19}
